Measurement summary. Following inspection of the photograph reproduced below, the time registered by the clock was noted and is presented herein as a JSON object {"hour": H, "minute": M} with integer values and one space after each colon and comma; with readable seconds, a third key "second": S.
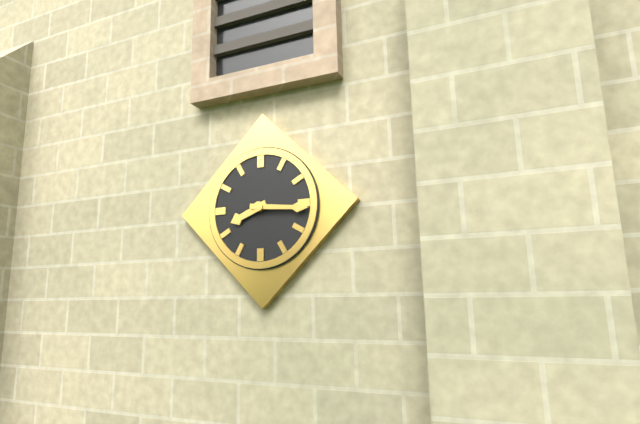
{"hour": 8, "minute": 16}
